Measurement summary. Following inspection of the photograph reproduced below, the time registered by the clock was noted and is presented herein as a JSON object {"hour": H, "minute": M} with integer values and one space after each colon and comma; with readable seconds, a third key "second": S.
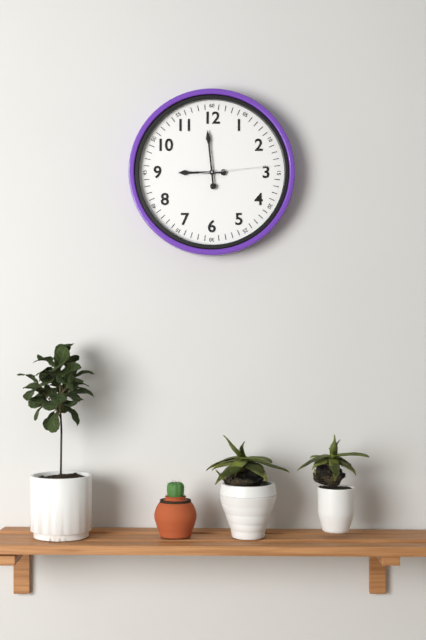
{"hour": 8, "minute": 59, "second": 14}
